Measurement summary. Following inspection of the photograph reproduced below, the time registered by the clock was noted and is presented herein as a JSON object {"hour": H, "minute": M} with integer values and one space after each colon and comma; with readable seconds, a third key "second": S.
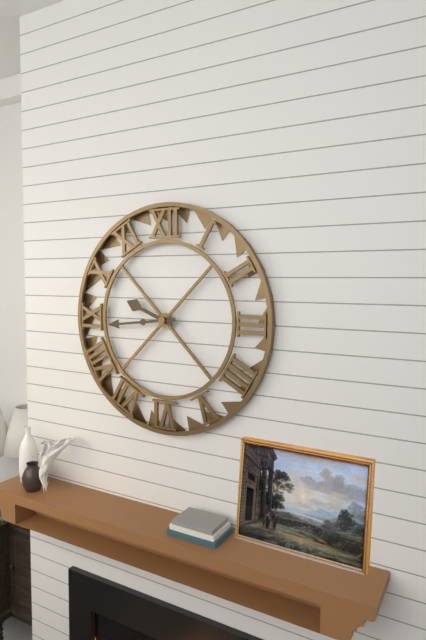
{"hour": 9, "minute": 44}
